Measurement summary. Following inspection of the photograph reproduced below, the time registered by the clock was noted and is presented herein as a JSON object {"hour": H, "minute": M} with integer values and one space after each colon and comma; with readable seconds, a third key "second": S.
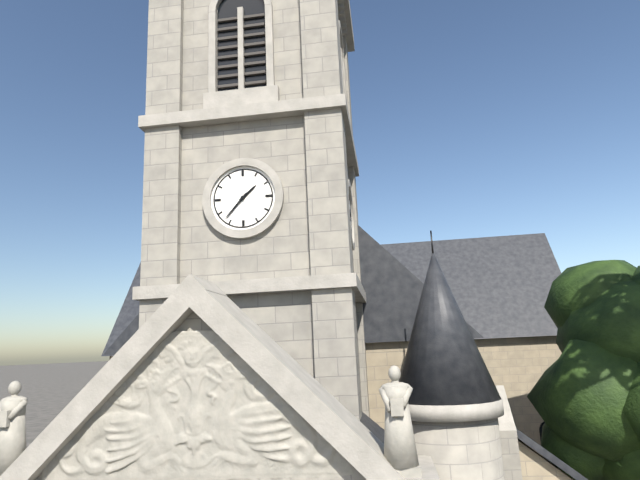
{"hour": 1, "minute": 37}
